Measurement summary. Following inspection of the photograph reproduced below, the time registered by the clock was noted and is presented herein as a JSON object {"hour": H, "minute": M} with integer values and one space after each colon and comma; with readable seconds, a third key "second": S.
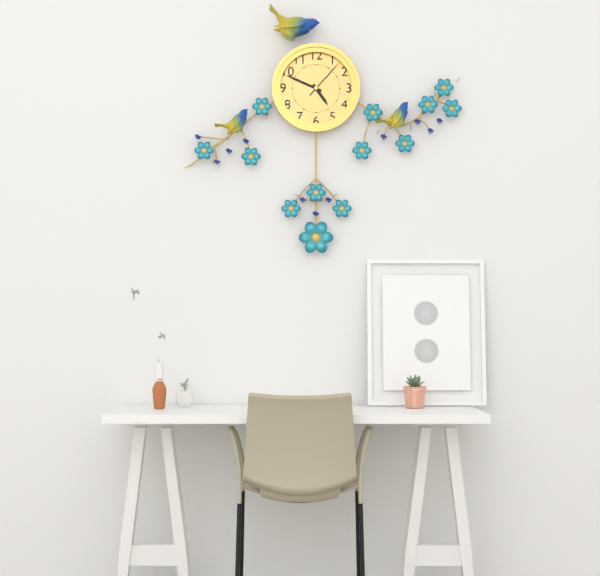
{"hour": 4, "minute": 49}
